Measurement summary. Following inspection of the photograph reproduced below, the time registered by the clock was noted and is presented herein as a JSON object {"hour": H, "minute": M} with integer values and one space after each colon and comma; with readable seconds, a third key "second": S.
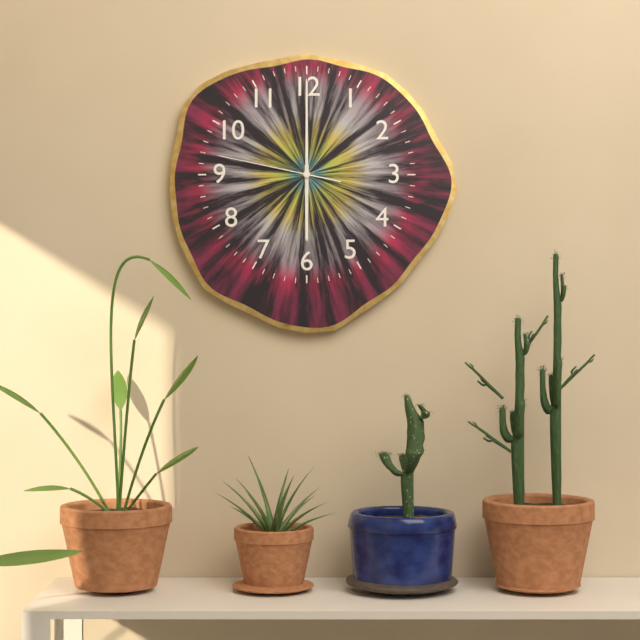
{"hour": 6, "minute": 0, "second": 47}
